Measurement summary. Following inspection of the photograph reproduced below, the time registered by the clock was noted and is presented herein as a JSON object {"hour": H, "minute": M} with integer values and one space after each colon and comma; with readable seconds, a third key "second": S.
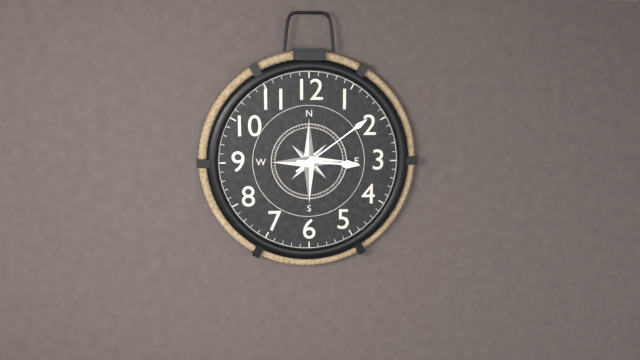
{"hour": 3, "minute": 9}
